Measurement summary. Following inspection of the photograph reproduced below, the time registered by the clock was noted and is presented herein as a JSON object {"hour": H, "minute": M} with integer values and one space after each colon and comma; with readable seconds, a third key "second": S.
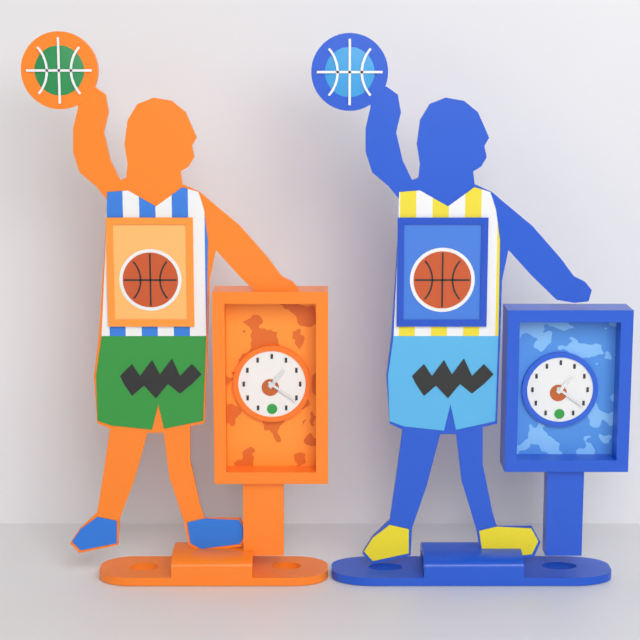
{"hour": 1, "minute": 21}
